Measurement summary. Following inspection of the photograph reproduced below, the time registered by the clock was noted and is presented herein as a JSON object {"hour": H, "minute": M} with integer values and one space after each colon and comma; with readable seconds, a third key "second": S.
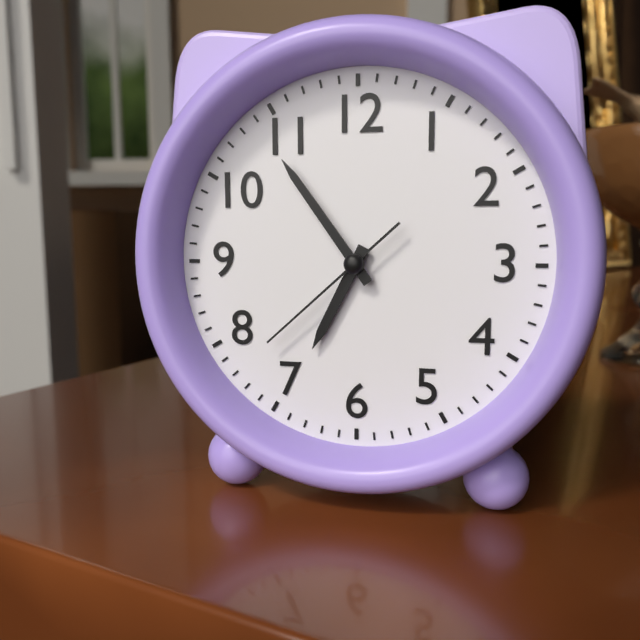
{"hour": 6, "minute": 54, "second": 38}
